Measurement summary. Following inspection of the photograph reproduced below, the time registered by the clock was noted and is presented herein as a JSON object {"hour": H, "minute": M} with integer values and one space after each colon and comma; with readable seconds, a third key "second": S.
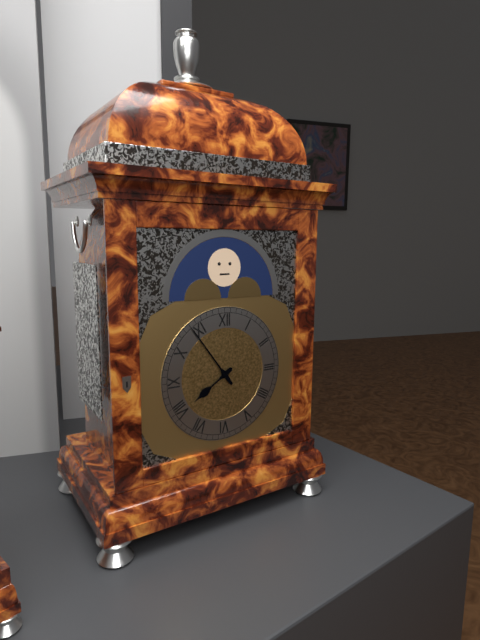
{"hour": 7, "minute": 54}
